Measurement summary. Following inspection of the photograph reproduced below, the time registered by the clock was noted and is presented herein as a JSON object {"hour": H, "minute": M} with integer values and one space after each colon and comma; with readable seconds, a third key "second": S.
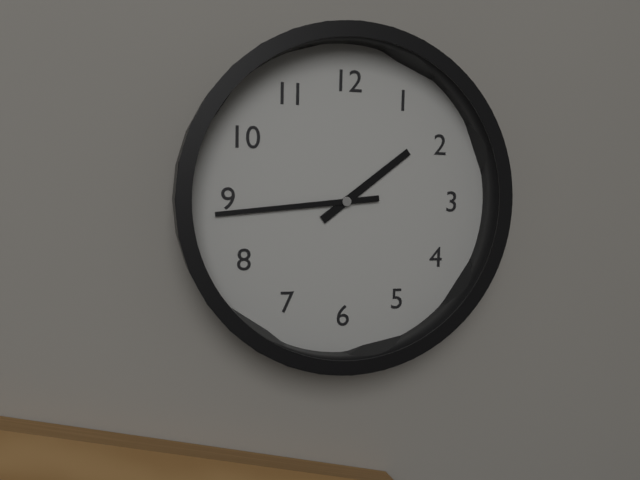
{"hour": 1, "minute": 44}
